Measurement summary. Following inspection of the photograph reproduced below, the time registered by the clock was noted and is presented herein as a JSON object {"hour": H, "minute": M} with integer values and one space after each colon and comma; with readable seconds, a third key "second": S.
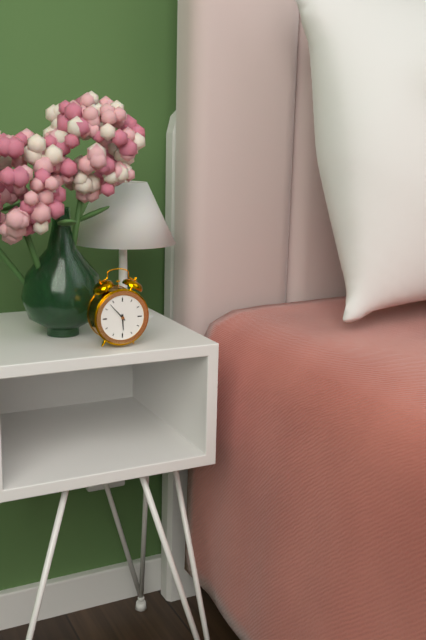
{"hour": 5, "minute": 53}
